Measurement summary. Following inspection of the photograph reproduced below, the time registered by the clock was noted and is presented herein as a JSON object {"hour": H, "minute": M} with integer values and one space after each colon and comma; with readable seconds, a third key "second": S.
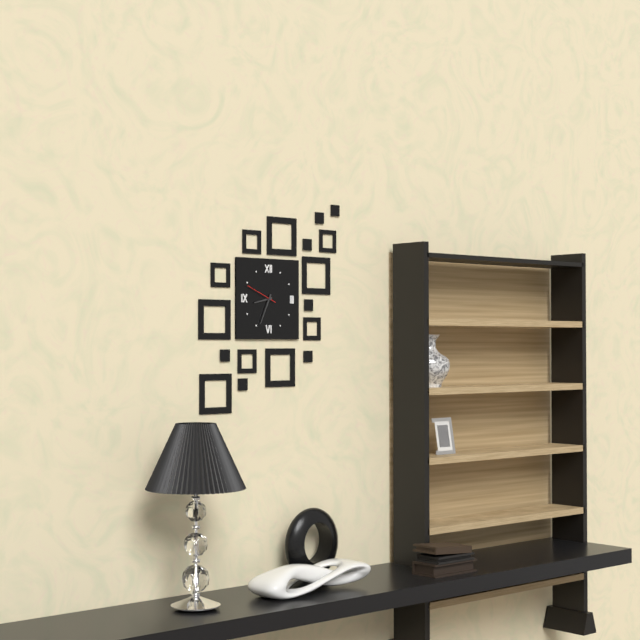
{"hour": 8, "minute": 34}
